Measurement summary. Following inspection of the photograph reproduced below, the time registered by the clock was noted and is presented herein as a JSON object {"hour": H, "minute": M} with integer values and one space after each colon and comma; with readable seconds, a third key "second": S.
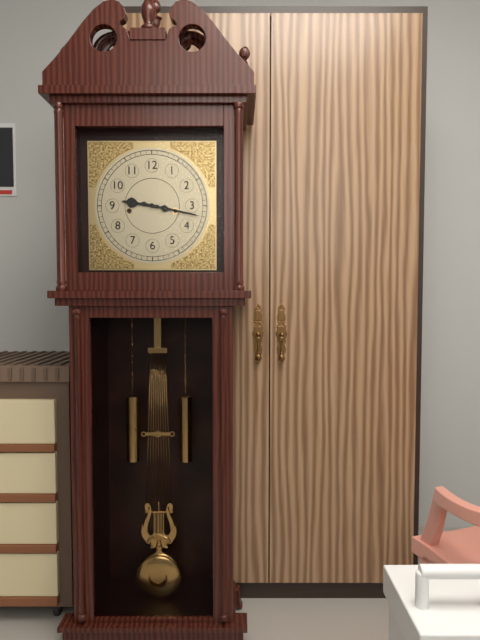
{"hour": 9, "minute": 17}
